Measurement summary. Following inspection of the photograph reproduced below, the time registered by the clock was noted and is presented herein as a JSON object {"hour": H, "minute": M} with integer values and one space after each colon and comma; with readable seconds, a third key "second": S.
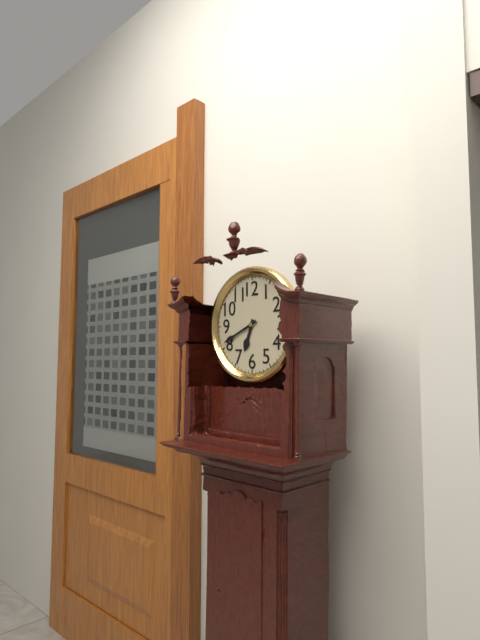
{"hour": 6, "minute": 41}
